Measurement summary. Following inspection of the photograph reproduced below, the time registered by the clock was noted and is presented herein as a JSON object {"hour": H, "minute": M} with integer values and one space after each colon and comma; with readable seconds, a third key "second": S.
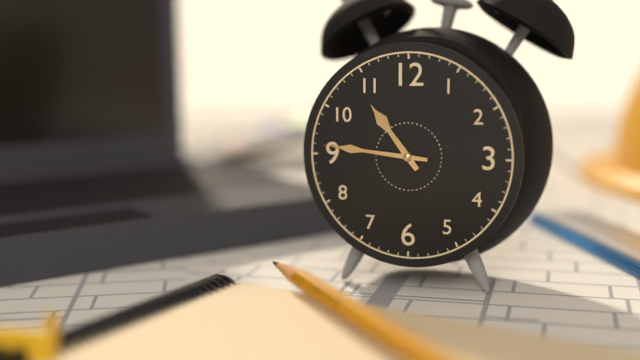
{"hour": 10, "minute": 46}
